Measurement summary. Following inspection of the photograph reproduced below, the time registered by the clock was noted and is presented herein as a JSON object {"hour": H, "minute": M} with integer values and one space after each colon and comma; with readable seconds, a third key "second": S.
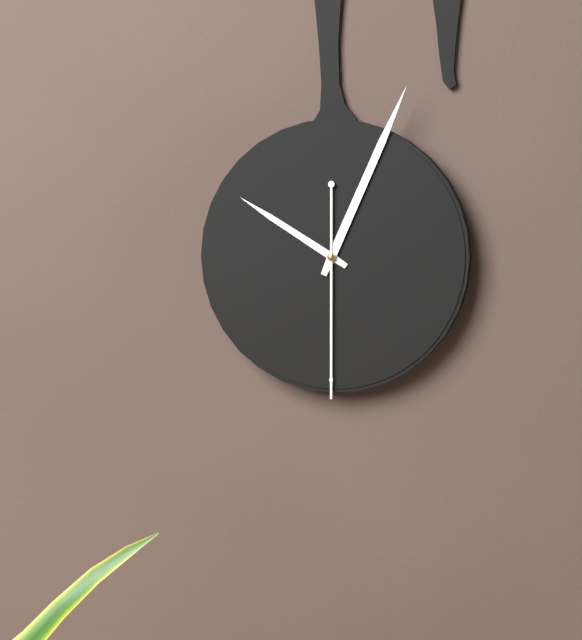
{"hour": 10, "minute": 4, "second": 30}
